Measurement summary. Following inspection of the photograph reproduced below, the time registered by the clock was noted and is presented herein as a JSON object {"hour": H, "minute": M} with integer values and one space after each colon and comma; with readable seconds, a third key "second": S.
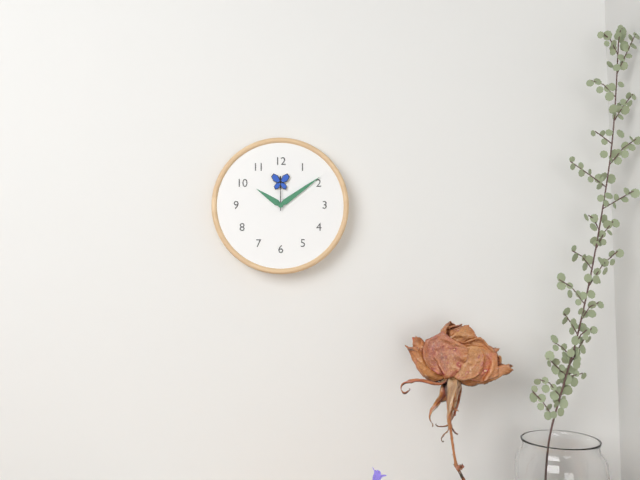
{"hour": 10, "minute": 9}
